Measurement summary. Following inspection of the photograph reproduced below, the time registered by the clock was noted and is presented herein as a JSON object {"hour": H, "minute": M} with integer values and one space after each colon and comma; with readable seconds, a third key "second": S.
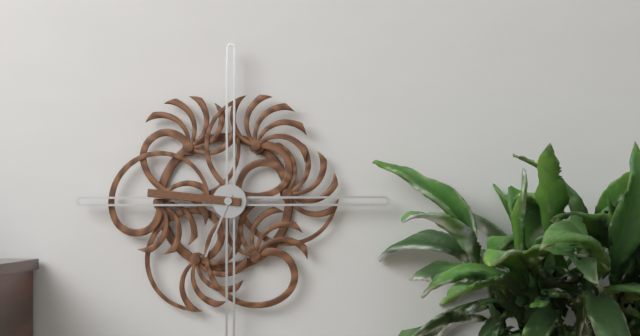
{"hour": 6, "minute": 46}
